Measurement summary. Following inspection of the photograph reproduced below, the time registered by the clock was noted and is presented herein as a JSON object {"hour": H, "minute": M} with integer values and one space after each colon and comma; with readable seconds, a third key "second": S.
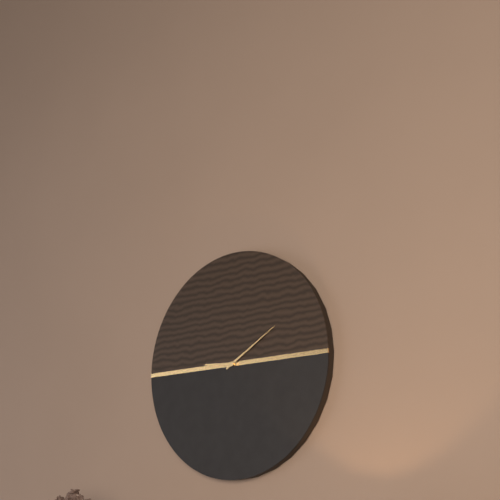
{"hour": 9, "minute": 10}
